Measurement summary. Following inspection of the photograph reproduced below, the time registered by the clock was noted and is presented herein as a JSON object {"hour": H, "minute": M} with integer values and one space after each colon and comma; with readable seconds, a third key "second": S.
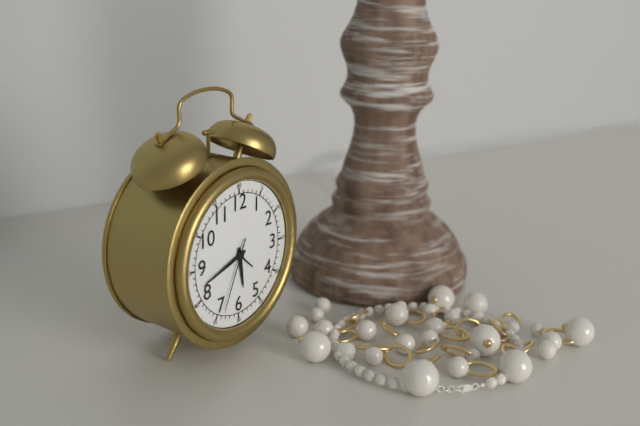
{"hour": 5, "minute": 42, "second": 34}
